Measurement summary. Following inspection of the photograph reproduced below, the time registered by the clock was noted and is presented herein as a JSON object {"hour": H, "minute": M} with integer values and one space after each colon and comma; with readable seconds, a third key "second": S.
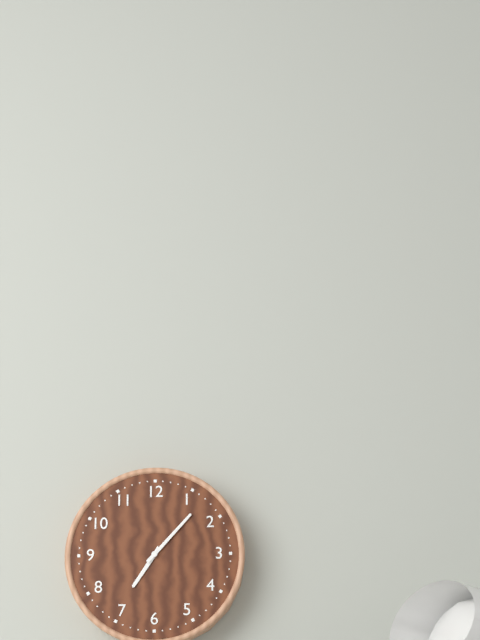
{"hour": 7, "minute": 7}
